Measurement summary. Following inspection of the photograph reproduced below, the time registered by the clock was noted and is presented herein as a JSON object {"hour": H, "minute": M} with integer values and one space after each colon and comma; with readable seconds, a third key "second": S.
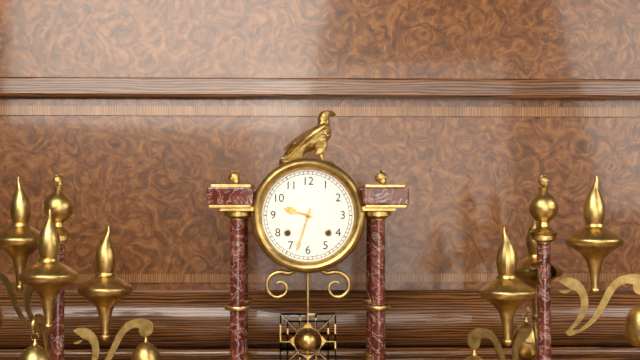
{"hour": 9, "minute": 33}
